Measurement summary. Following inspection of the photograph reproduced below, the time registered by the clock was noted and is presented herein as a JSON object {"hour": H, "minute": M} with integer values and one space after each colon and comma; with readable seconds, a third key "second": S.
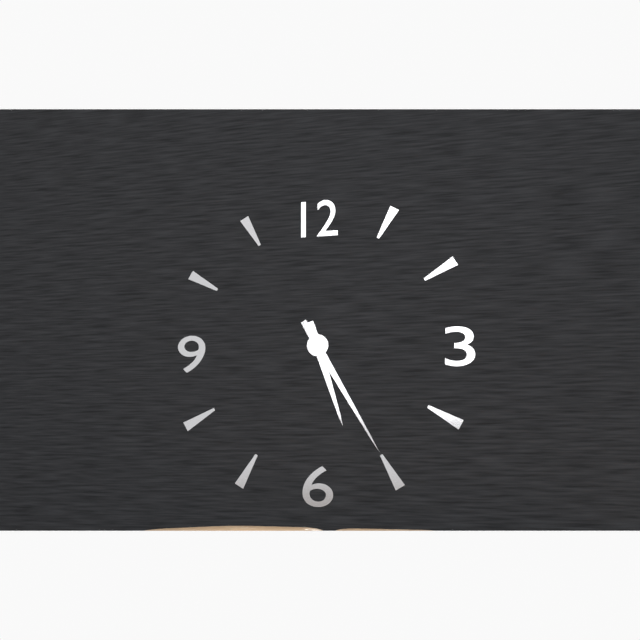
{"hour": 5, "minute": 25}
